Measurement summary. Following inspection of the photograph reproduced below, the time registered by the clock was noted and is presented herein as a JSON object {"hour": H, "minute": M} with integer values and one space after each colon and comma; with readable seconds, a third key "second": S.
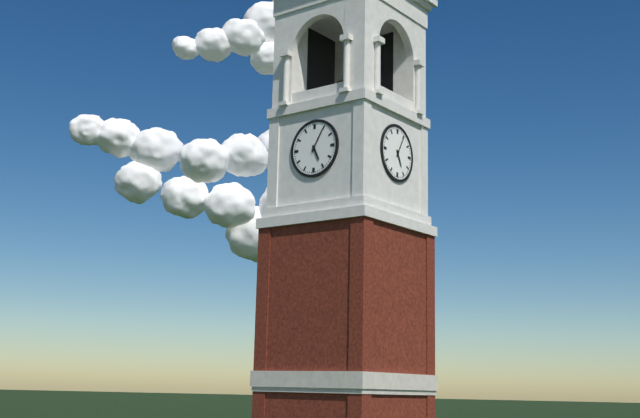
{"hour": 5, "minute": 5}
